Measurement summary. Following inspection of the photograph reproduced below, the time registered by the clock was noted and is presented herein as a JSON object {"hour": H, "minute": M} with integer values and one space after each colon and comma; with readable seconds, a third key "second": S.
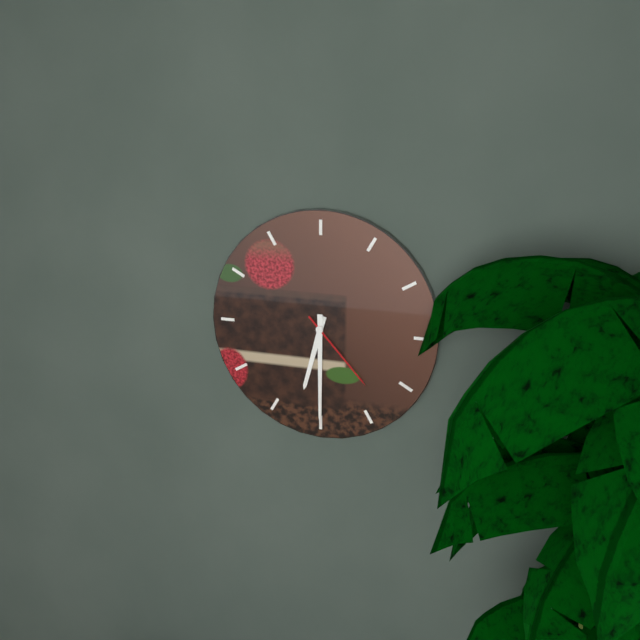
{"hour": 6, "minute": 30, "second": 23}
